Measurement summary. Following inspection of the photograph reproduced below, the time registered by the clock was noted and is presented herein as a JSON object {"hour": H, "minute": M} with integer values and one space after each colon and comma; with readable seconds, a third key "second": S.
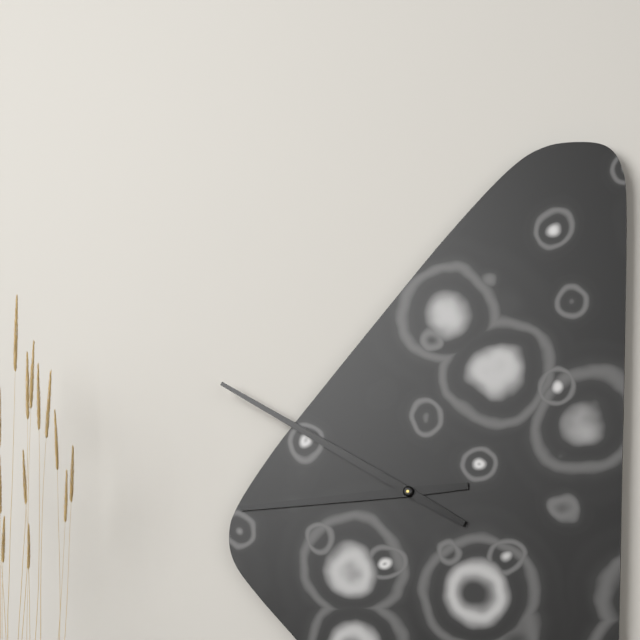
{"hour": 8, "minute": 50}
